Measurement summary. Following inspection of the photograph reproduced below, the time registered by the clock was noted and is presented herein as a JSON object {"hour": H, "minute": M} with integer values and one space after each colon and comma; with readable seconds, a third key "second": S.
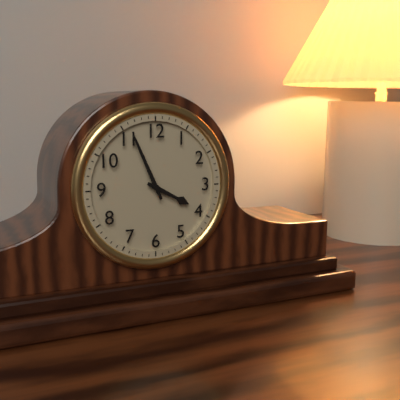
{"hour": 3, "minute": 56}
